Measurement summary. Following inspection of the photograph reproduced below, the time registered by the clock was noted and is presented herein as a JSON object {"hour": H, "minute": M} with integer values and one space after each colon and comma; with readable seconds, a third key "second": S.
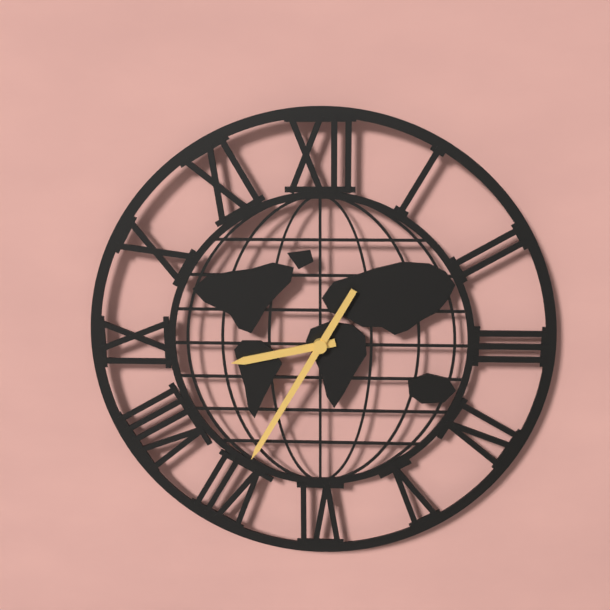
{"hour": 8, "minute": 35}
